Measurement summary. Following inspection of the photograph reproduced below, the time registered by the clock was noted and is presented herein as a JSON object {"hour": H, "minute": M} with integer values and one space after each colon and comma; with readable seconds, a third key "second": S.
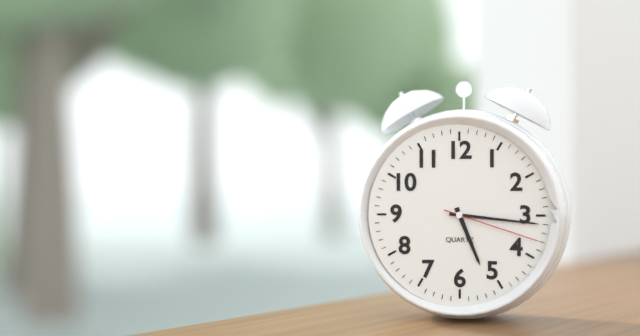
{"hour": 5, "minute": 16, "second": 18}
